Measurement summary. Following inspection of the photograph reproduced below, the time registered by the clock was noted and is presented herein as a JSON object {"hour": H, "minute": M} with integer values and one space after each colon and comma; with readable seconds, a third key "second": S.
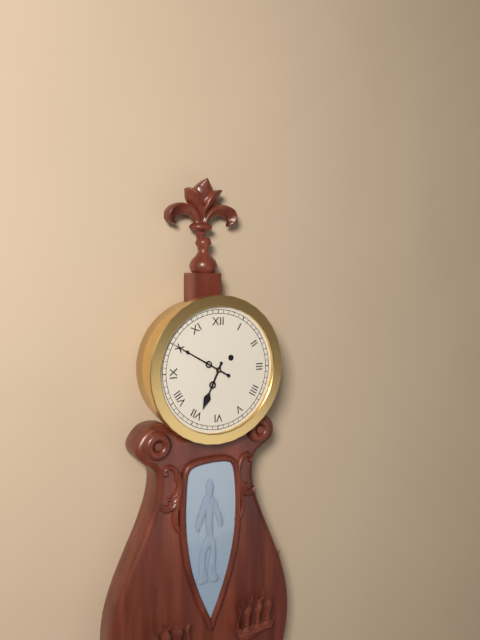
{"hour": 6, "minute": 50}
